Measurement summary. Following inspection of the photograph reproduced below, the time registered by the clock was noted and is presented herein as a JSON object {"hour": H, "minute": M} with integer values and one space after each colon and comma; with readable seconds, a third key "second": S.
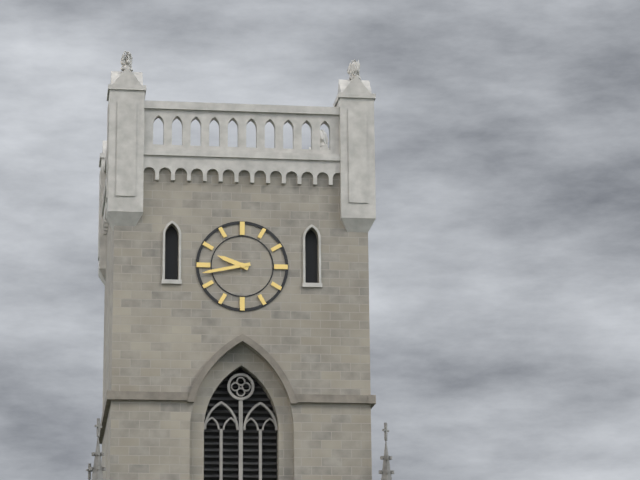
{"hour": 9, "minute": 43}
